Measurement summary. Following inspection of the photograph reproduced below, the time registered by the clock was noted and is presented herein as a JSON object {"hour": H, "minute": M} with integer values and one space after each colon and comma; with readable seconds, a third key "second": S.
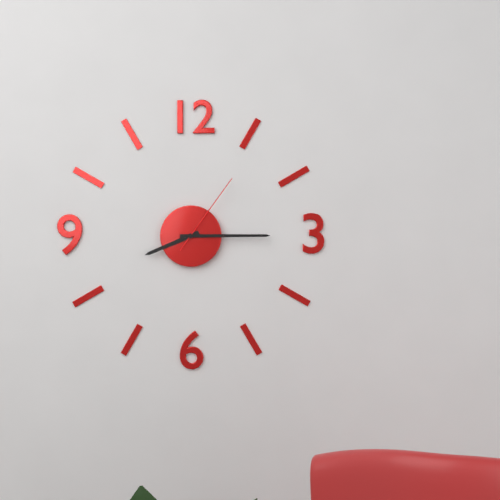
{"hour": 8, "minute": 15, "second": 6}
